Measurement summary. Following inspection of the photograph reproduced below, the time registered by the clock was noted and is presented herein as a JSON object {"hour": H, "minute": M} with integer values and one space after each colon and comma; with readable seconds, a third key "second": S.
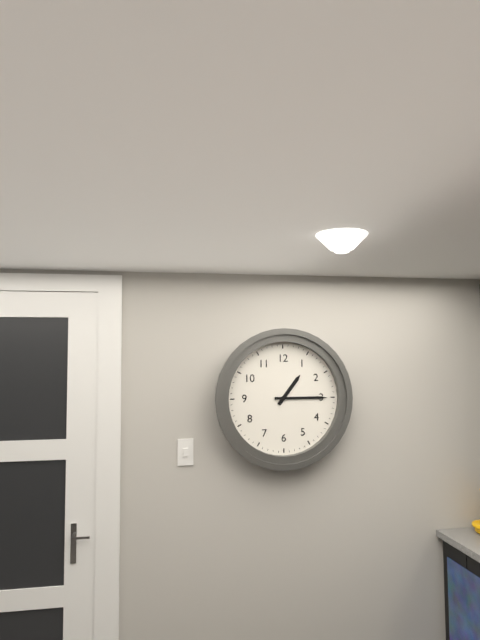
{"hour": 1, "minute": 15}
